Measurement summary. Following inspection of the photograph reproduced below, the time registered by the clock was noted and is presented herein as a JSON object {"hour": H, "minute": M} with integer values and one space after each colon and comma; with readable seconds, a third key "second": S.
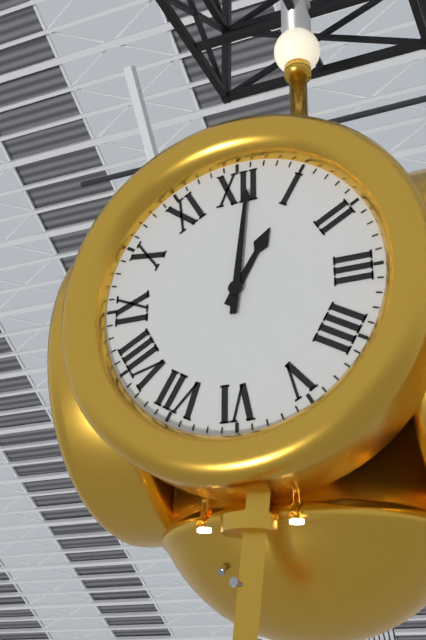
{"hour": 1, "minute": 1}
